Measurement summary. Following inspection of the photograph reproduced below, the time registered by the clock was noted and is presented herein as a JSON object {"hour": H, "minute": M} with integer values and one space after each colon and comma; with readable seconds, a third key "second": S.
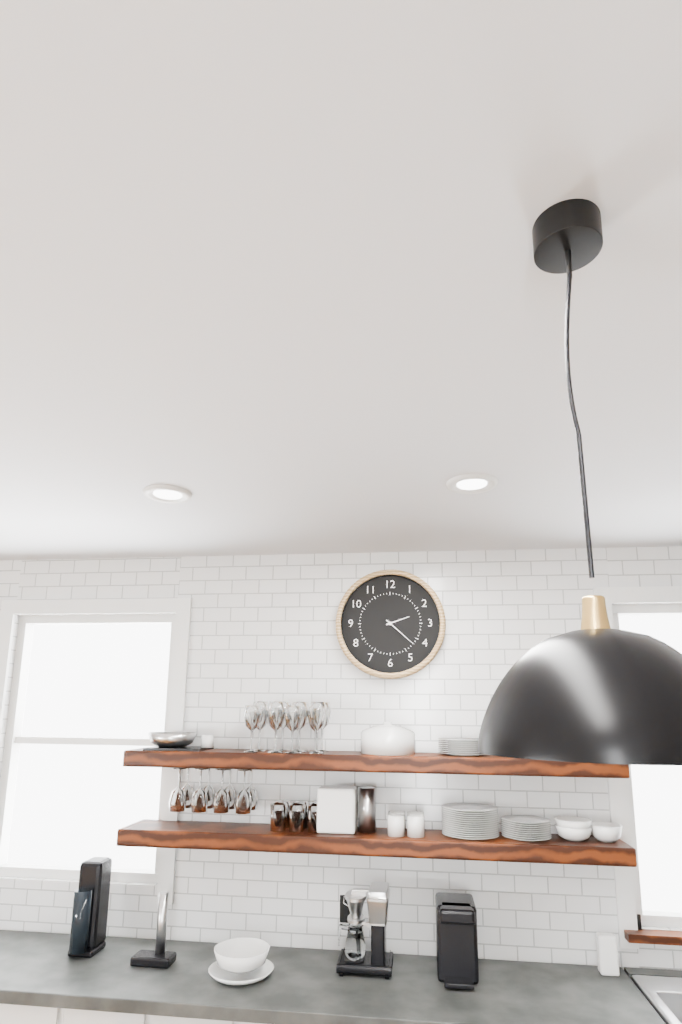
{"hour": 2, "minute": 22}
